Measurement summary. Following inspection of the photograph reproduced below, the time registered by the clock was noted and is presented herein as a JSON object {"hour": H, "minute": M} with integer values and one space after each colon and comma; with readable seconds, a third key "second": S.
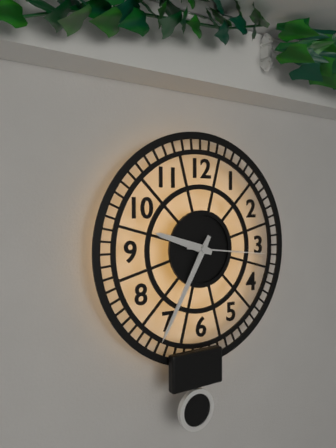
{"hour": 9, "minute": 35, "second": 16}
